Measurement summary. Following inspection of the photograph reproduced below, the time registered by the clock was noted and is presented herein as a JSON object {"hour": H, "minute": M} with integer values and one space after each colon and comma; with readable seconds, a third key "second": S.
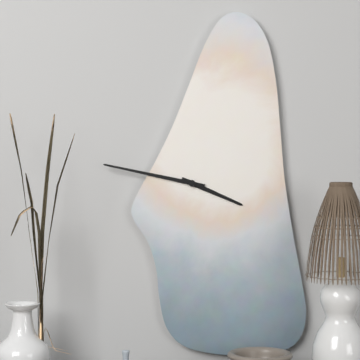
{"hour": 3, "minute": 47}
